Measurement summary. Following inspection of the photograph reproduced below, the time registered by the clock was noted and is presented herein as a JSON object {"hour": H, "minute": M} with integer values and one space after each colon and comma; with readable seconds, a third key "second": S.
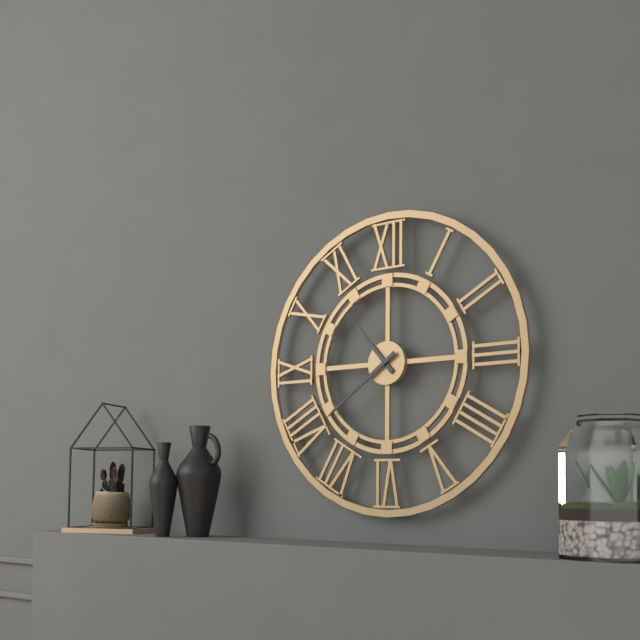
{"hour": 10, "minute": 39}
